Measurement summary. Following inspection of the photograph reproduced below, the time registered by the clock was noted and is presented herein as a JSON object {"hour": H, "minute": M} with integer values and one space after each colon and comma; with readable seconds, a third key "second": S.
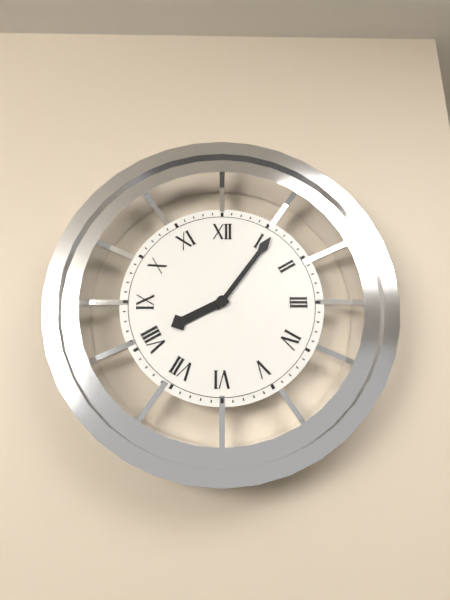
{"hour": 8, "minute": 6}
